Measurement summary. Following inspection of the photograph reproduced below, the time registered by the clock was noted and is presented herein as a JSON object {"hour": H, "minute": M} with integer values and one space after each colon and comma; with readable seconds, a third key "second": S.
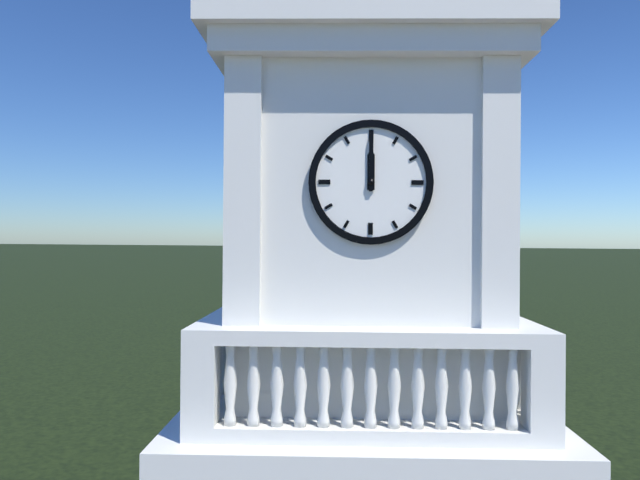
{"hour": 12, "minute": 0}
